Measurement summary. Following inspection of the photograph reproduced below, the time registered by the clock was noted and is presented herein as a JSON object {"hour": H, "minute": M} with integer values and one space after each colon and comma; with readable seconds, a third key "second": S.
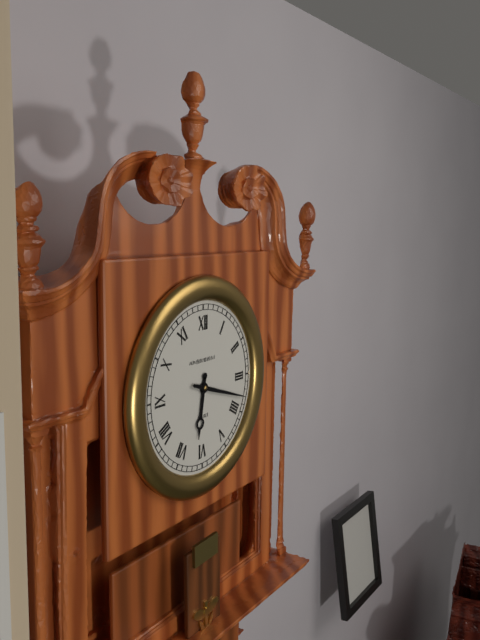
{"hour": 6, "minute": 18}
